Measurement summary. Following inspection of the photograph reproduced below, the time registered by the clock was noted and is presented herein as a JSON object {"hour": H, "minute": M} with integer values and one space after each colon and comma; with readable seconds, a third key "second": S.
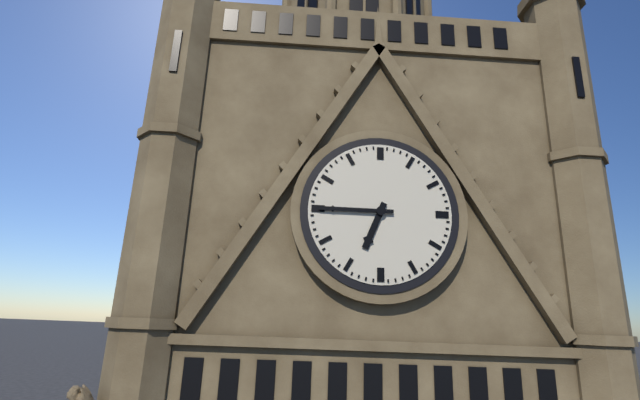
{"hour": 6, "minute": 45}
